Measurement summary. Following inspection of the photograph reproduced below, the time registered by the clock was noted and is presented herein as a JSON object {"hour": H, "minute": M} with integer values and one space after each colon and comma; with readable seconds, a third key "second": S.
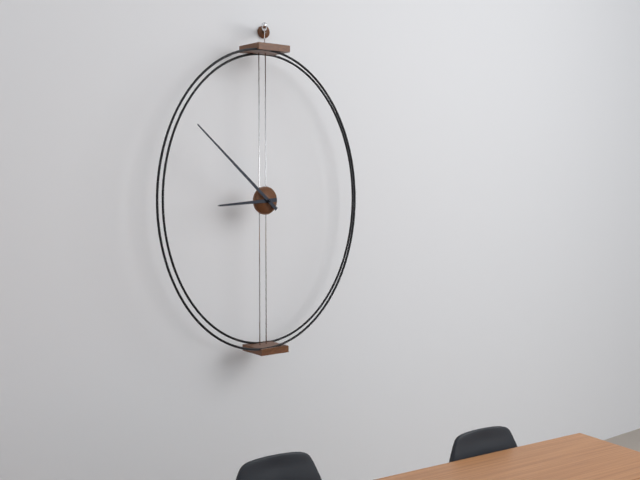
{"hour": 8, "minute": 52}
